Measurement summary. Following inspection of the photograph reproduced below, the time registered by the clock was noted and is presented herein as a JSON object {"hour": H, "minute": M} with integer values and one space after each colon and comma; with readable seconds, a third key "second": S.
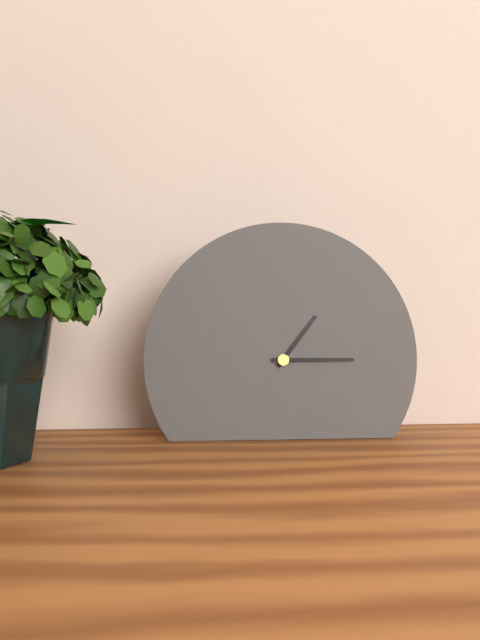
{"hour": 1, "minute": 15}
